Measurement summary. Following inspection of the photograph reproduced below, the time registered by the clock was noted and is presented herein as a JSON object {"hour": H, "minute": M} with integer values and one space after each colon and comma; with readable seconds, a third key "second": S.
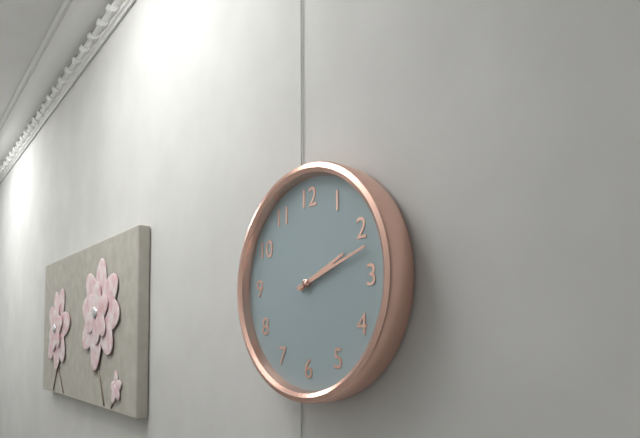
{"hour": 2, "minute": 12}
